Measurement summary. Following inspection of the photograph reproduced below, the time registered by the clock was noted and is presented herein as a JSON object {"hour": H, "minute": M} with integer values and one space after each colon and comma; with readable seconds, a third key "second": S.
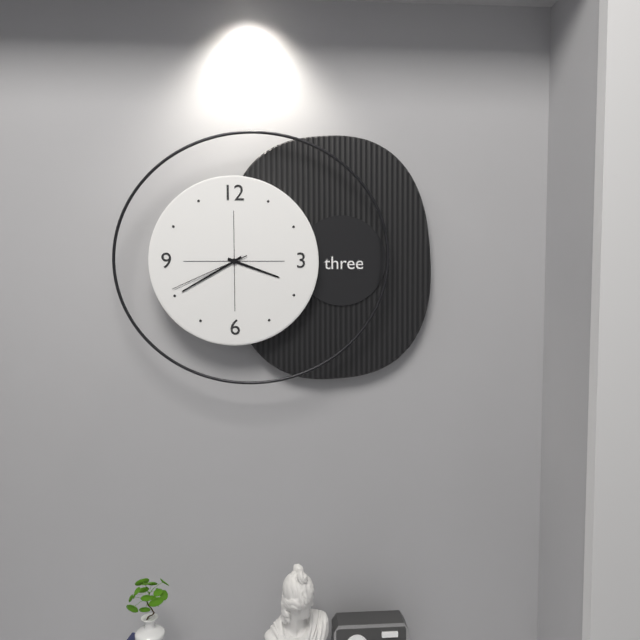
{"hour": 3, "minute": 40, "second": 41}
